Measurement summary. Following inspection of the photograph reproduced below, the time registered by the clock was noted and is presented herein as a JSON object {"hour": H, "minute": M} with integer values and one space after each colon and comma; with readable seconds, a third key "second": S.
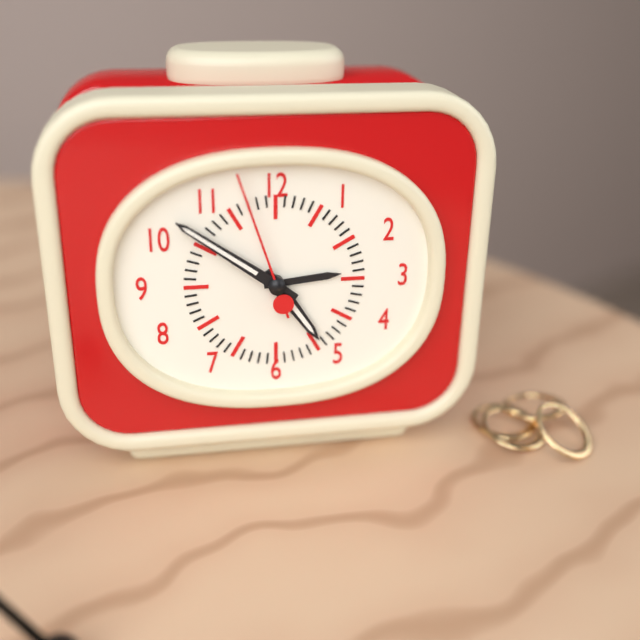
{"hour": 4, "minute": 51, "second": 57}
